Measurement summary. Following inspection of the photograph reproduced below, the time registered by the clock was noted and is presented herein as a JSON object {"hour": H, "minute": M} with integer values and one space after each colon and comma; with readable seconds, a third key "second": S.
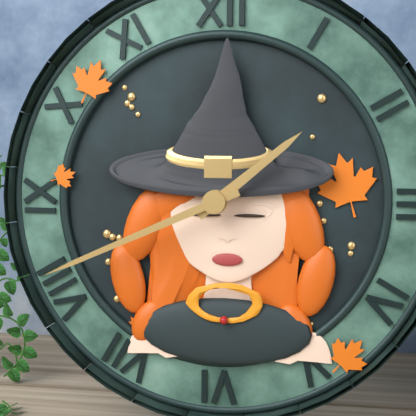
{"hour": 1, "minute": 41}
